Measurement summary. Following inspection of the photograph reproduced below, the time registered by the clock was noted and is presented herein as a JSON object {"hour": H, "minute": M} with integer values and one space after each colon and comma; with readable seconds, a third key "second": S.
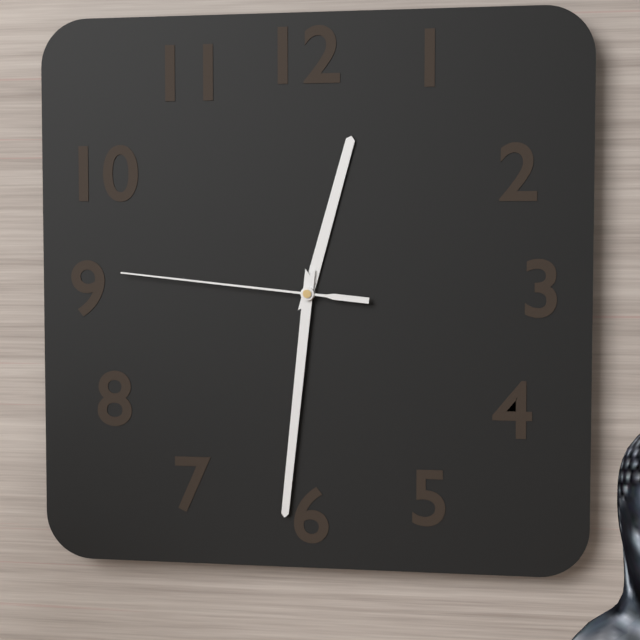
{"hour": 12, "minute": 31, "second": 46}
